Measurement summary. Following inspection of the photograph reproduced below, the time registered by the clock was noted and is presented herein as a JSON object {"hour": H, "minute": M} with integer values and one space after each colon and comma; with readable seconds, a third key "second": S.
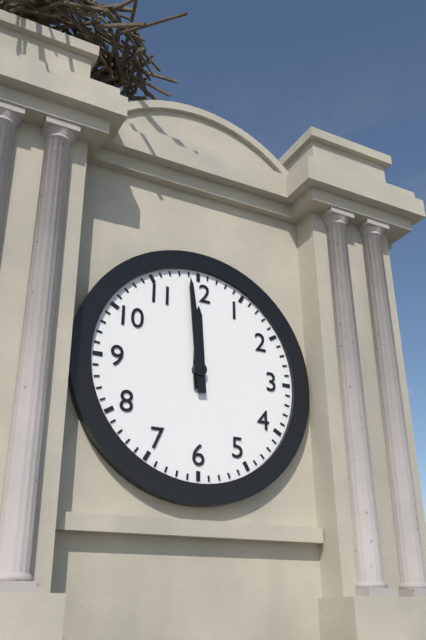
{"hour": 11, "minute": 59}
